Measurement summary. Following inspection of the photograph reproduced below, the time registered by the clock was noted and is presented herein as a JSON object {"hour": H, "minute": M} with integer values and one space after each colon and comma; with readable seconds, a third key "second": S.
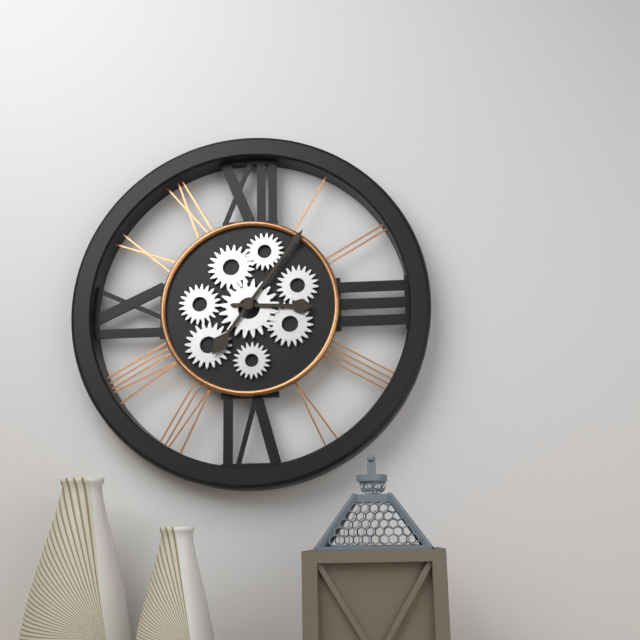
{"hour": 3, "minute": 6}
